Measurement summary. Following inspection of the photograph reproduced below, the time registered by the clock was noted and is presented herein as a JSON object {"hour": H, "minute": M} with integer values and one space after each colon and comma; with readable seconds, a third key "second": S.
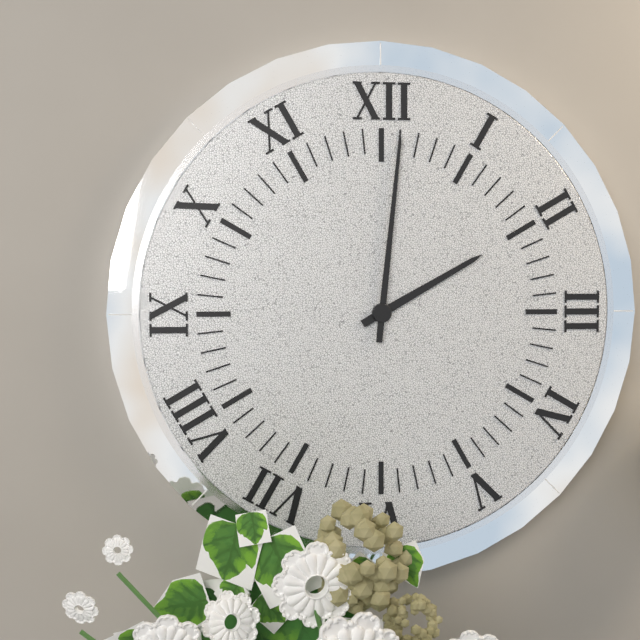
{"hour": 2, "minute": 1}
